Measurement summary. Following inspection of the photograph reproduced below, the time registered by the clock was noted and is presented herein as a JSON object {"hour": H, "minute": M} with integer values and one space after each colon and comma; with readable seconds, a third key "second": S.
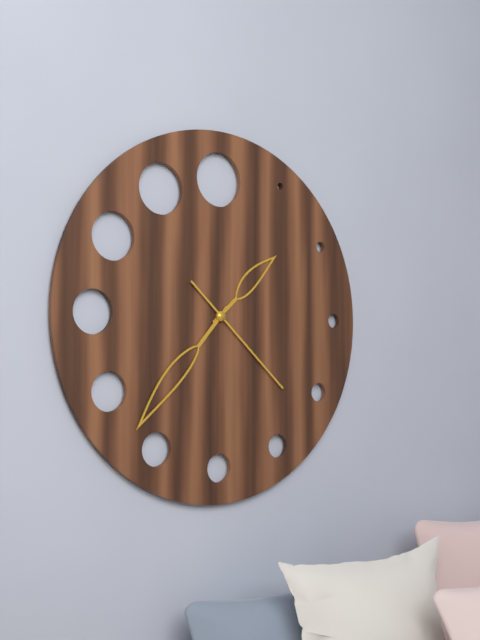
{"hour": 1, "minute": 37, "second": 22}
